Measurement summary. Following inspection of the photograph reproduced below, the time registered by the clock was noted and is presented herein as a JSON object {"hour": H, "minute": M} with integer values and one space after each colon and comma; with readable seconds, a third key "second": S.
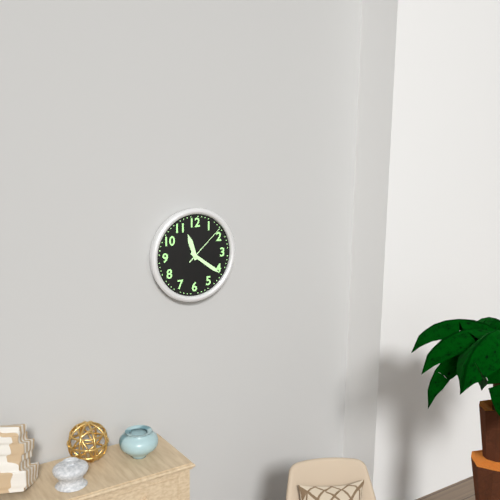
{"hour": 11, "minute": 21}
